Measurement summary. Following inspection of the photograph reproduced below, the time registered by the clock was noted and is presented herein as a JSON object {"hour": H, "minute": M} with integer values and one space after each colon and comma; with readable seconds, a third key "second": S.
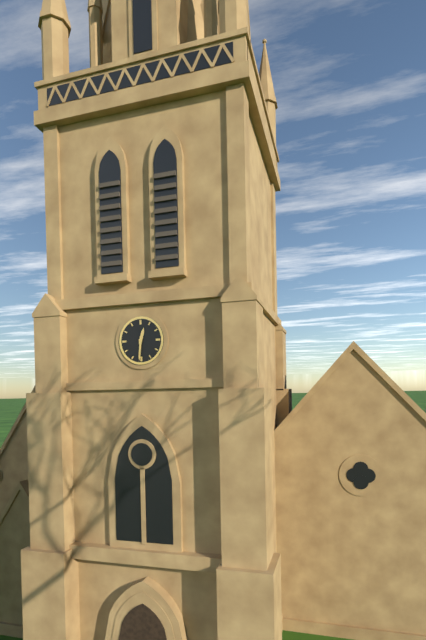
{"hour": 12, "minute": 31}
